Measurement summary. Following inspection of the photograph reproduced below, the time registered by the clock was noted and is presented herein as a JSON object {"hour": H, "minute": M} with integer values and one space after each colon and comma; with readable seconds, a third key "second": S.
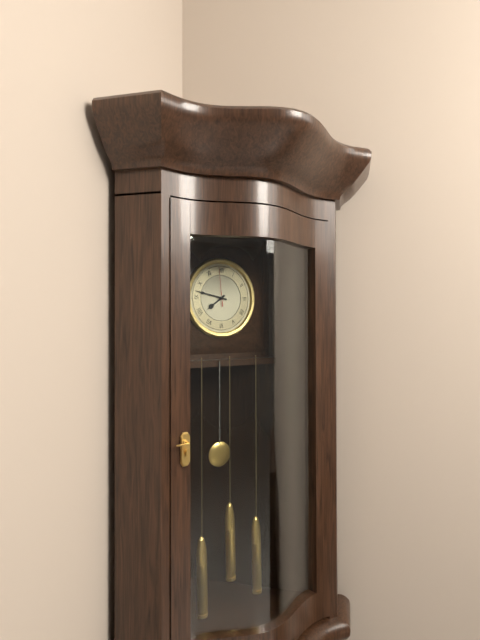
{"hour": 7, "minute": 47}
